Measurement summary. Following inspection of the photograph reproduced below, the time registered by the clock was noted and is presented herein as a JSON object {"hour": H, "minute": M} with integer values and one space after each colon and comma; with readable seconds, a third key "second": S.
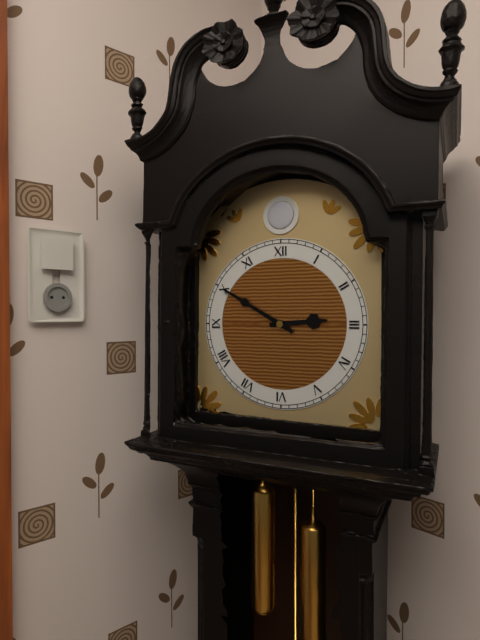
{"hour": 2, "minute": 50}
